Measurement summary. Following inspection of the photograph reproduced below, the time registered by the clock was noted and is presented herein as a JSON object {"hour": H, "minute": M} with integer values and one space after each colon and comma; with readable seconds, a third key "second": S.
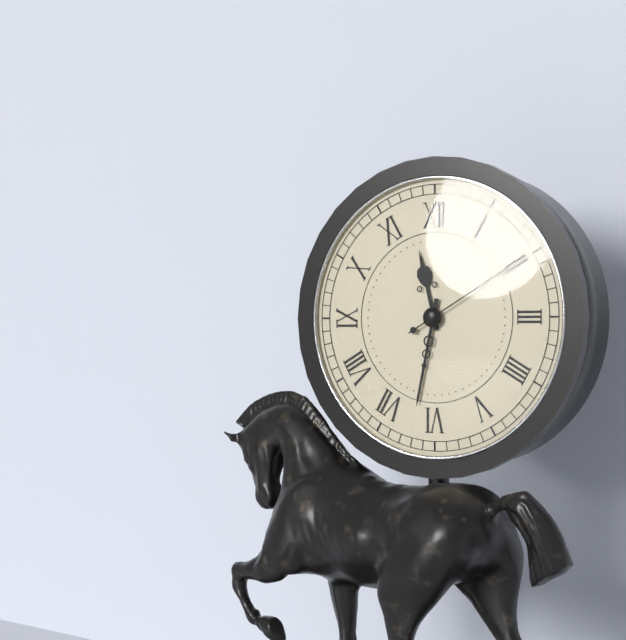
{"hour": 11, "minute": 32, "second": 10}
